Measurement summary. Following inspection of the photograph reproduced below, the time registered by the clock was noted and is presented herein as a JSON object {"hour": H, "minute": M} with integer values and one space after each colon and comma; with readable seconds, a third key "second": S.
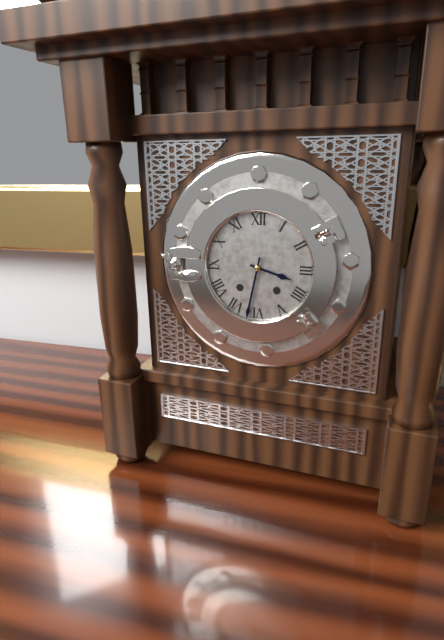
{"hour": 3, "minute": 32}
